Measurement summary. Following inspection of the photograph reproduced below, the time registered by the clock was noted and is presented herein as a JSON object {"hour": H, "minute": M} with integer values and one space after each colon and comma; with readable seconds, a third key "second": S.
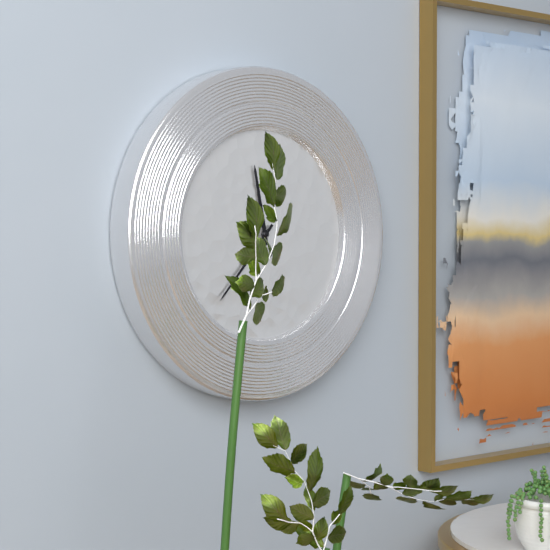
{"hour": 11, "minute": 37}
